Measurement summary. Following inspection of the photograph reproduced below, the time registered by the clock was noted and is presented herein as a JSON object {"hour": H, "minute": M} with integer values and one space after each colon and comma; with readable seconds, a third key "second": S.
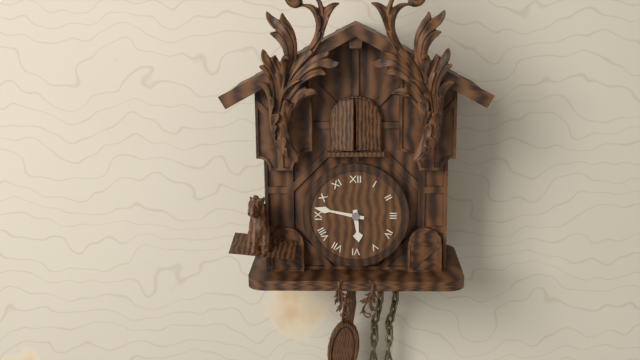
{"hour": 5, "minute": 47}
